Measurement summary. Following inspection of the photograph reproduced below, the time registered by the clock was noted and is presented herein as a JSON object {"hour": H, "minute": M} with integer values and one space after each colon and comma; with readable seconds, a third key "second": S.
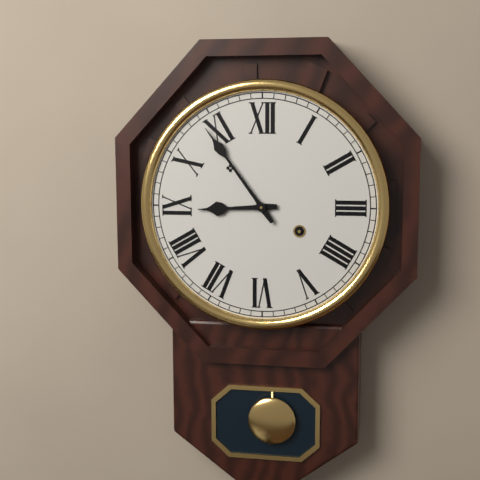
{"hour": 8, "minute": 54}
